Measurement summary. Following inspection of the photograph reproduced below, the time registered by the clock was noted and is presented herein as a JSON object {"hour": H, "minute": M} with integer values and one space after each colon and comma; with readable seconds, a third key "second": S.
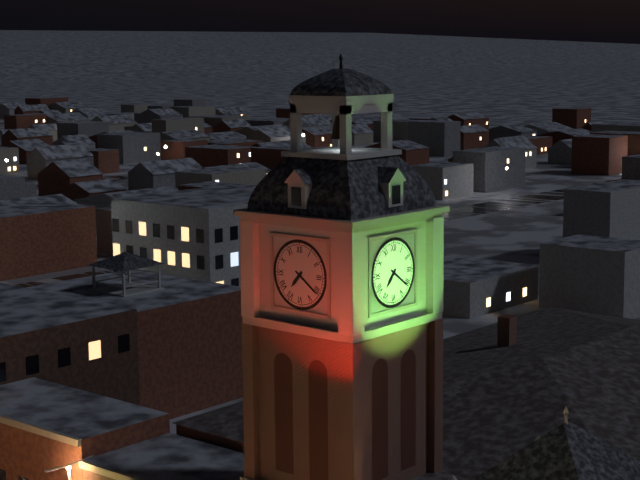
{"hour": 7, "minute": 21}
